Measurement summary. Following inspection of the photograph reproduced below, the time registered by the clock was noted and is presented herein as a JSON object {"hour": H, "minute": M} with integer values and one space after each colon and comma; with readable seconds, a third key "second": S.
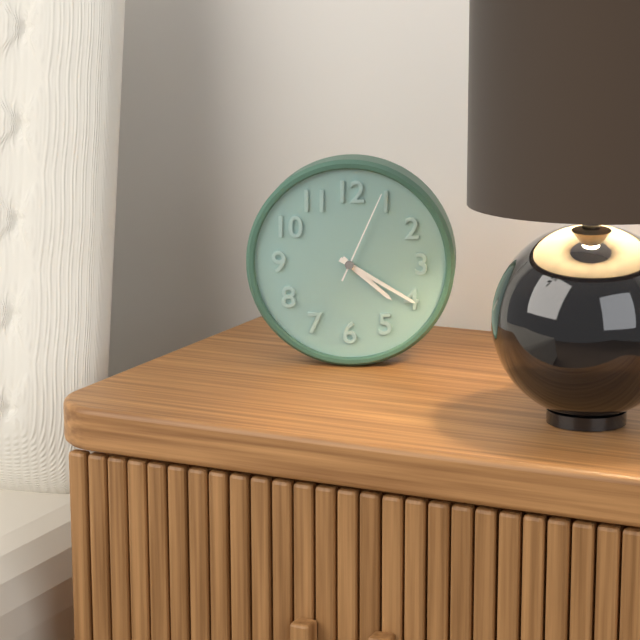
{"hour": 4, "minute": 20, "second": 4}
